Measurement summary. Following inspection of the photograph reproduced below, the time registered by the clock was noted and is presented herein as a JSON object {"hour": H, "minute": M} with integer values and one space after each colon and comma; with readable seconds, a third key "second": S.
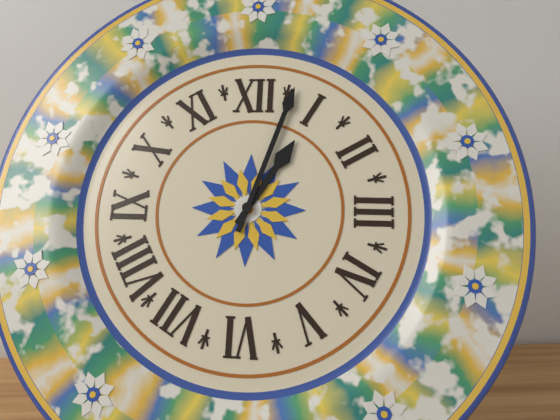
{"hour": 1, "minute": 3}
